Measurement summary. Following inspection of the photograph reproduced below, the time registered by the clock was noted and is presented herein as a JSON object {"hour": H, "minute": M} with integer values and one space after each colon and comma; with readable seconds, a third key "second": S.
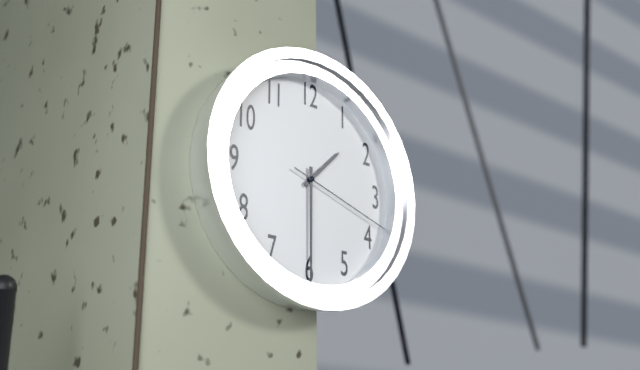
{"hour": 1, "minute": 30, "second": 18}
